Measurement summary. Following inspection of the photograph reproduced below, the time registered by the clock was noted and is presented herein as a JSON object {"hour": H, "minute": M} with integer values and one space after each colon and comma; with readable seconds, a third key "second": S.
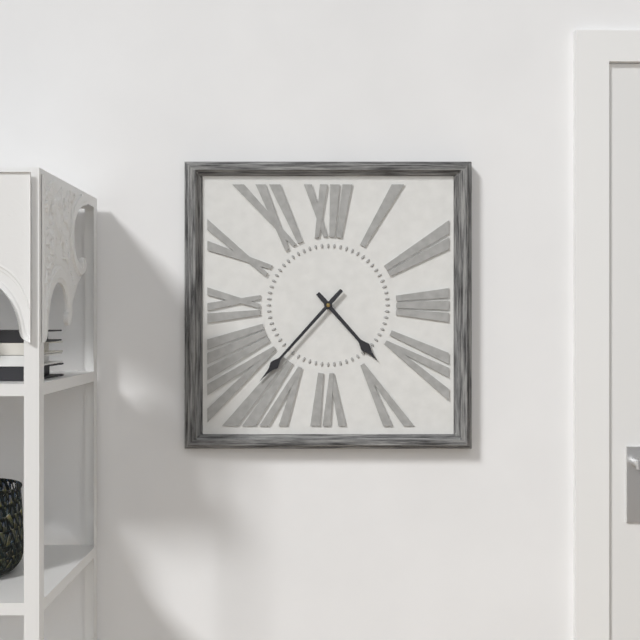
{"hour": 4, "minute": 37}
